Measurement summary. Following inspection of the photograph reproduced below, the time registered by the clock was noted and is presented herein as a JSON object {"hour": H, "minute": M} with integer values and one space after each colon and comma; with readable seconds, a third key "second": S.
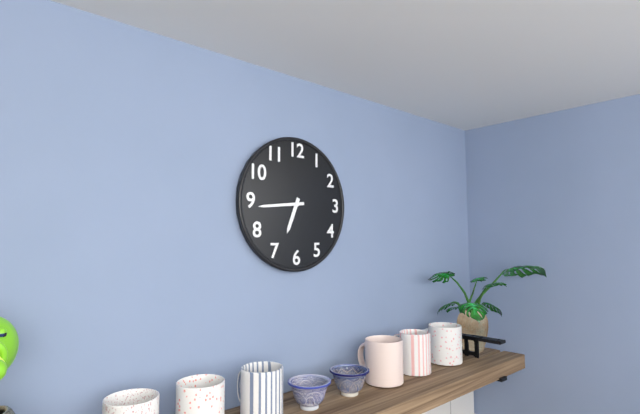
{"hour": 6, "minute": 44}
